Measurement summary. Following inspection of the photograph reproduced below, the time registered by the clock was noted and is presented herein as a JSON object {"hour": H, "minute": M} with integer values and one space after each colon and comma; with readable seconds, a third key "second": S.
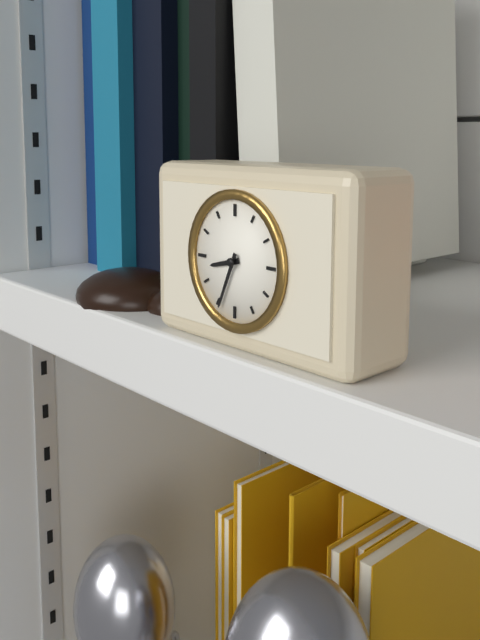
{"hour": 8, "minute": 34}
